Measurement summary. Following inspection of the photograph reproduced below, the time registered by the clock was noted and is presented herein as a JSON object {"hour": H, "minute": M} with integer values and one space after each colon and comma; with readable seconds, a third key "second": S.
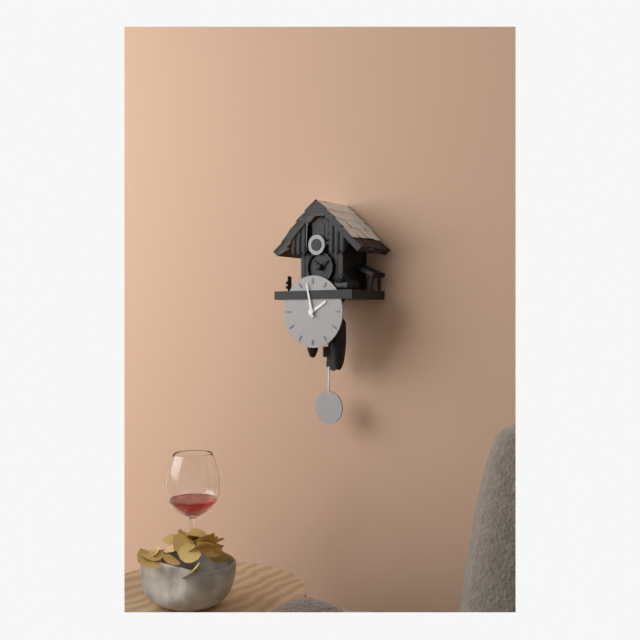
{"hour": 1, "minute": 58}
